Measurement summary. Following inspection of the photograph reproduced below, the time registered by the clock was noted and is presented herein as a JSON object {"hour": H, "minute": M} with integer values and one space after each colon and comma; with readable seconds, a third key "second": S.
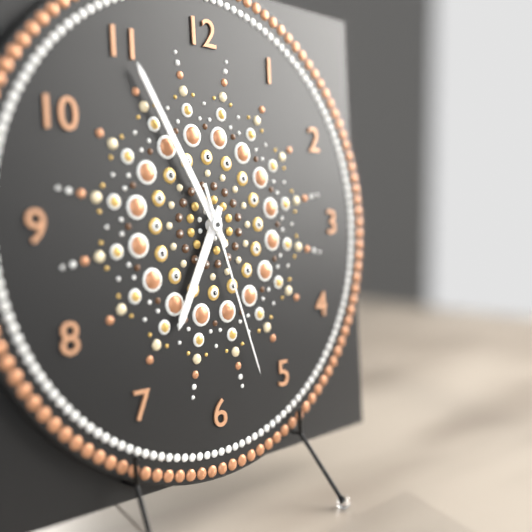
{"hour": 6, "minute": 55, "second": 27}
